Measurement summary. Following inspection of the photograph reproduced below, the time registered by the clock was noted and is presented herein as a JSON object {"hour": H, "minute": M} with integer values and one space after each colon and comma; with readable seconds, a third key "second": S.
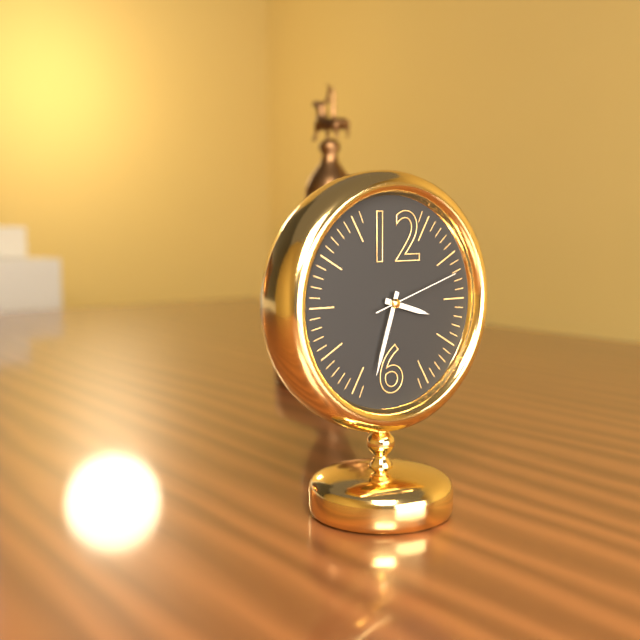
{"hour": 3, "minute": 33, "second": 12}
